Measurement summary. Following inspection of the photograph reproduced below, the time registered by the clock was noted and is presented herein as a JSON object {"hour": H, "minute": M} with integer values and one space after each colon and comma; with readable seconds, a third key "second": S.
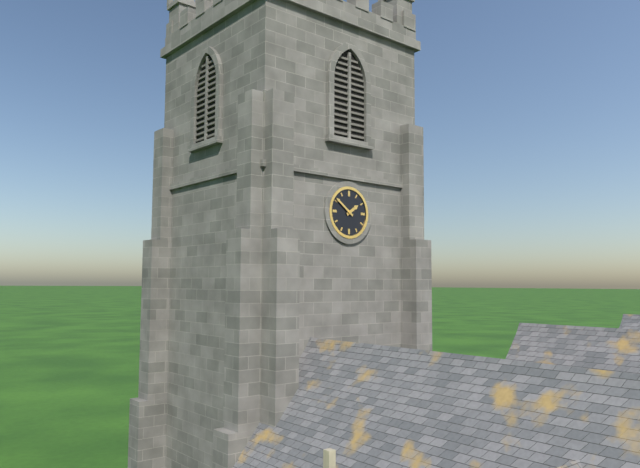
{"hour": 1, "minute": 51}
